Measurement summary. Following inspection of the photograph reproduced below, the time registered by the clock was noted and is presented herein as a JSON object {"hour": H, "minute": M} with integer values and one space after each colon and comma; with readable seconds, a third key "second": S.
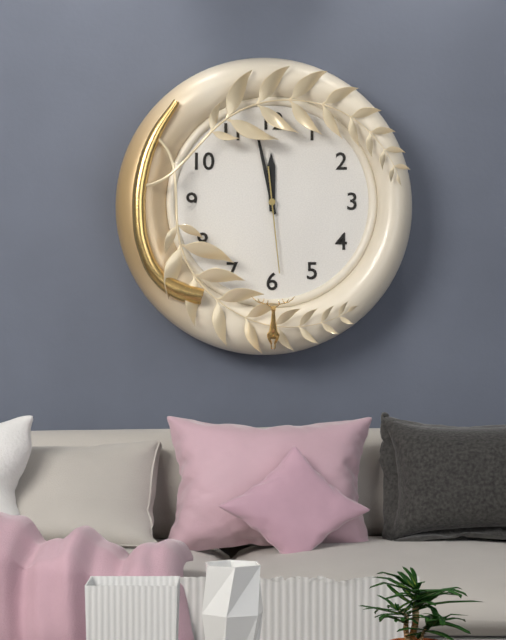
{"hour": 11, "minute": 58, "second": 29}
